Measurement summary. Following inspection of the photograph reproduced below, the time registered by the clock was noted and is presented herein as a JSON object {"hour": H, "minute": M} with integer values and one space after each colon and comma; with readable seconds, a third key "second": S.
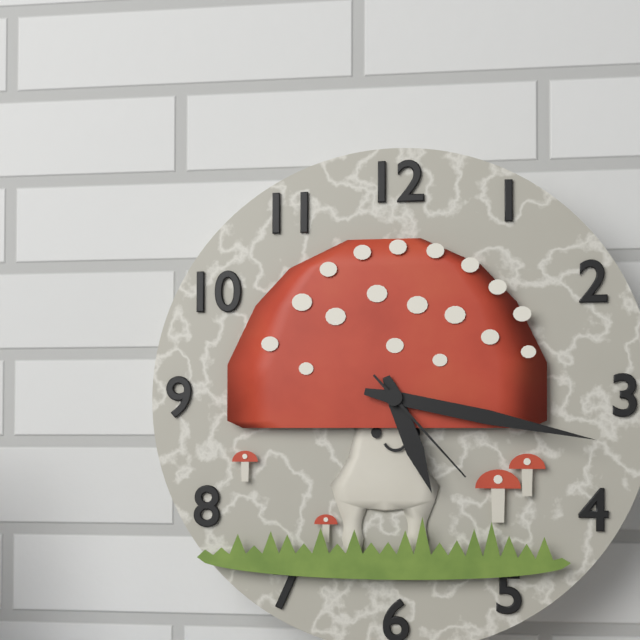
{"hour": 5, "minute": 17, "second": 23}
